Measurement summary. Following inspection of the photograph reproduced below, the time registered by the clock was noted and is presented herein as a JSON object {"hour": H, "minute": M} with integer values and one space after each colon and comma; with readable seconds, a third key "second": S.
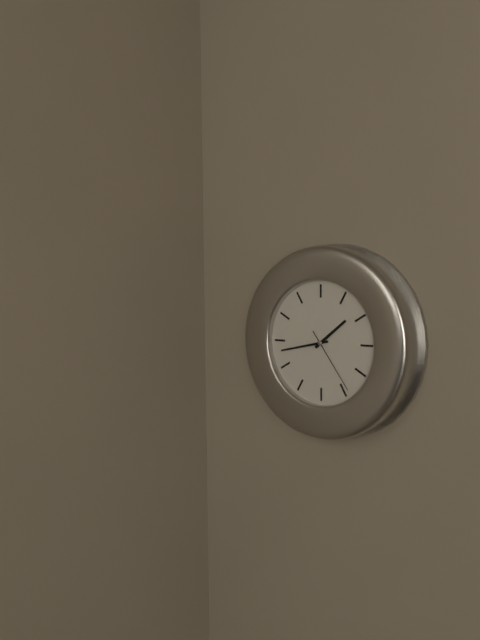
{"hour": 1, "minute": 43, "second": 24}
